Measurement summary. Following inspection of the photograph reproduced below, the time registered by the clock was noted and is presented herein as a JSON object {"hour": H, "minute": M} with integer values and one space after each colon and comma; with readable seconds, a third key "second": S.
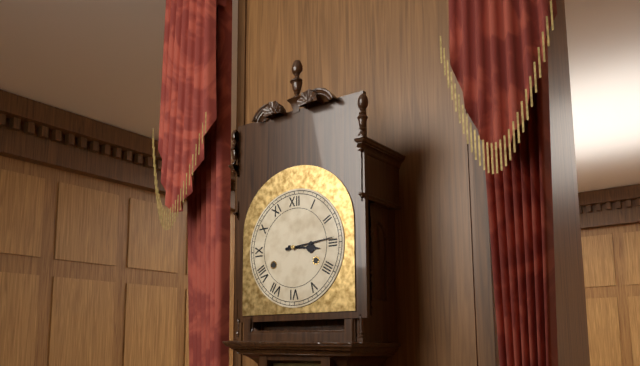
{"hour": 3, "minute": 14}
